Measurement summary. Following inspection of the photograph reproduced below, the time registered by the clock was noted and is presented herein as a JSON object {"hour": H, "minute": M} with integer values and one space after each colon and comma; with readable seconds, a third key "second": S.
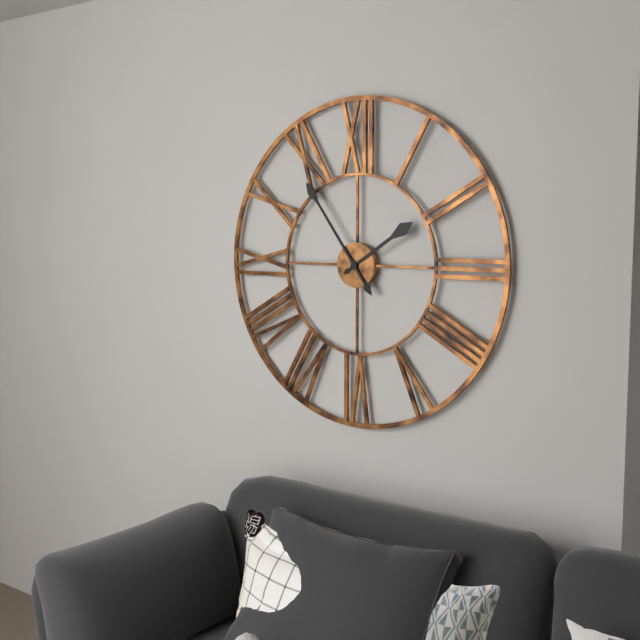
{"hour": 1, "minute": 54}
